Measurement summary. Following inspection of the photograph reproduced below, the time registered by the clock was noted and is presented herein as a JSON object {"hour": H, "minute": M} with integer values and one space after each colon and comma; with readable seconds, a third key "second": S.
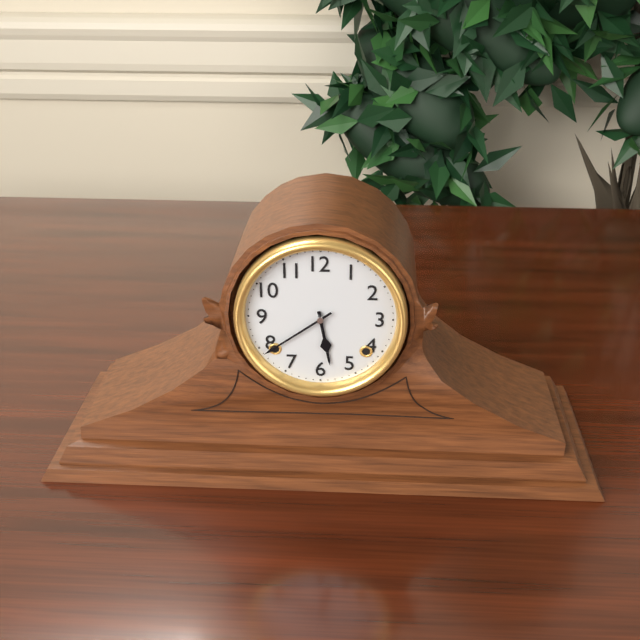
{"hour": 5, "minute": 39}
